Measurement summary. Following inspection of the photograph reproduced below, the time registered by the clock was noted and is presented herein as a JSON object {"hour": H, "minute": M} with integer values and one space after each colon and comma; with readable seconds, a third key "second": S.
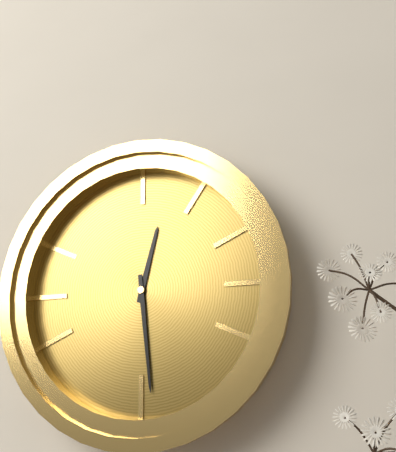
{"hour": 12, "minute": 29}
